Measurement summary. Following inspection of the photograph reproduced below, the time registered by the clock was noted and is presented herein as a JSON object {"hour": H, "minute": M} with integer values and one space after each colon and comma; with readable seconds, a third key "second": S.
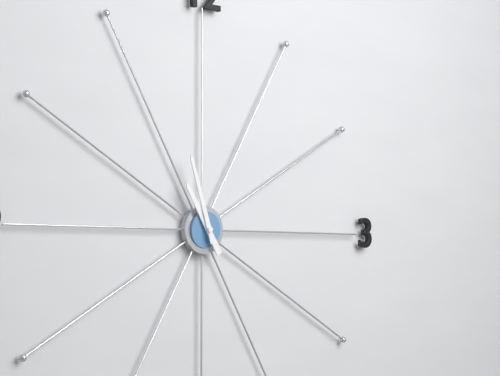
{"hour": 10, "minute": 57}
